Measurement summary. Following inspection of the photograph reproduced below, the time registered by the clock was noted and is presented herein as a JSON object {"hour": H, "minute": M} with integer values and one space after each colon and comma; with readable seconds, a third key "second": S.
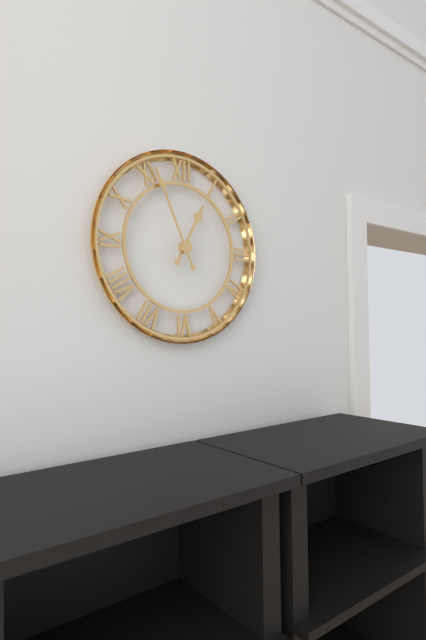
{"hour": 12, "minute": 56}
